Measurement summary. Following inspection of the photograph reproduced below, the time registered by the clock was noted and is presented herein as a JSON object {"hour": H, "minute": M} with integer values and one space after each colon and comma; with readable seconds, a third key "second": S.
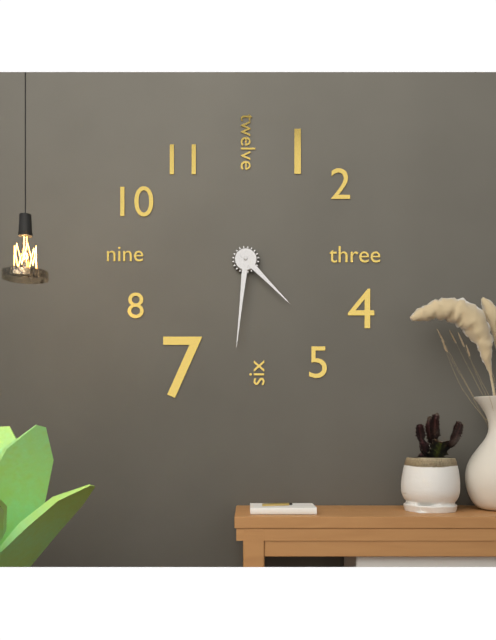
{"hour": 4, "minute": 31}
